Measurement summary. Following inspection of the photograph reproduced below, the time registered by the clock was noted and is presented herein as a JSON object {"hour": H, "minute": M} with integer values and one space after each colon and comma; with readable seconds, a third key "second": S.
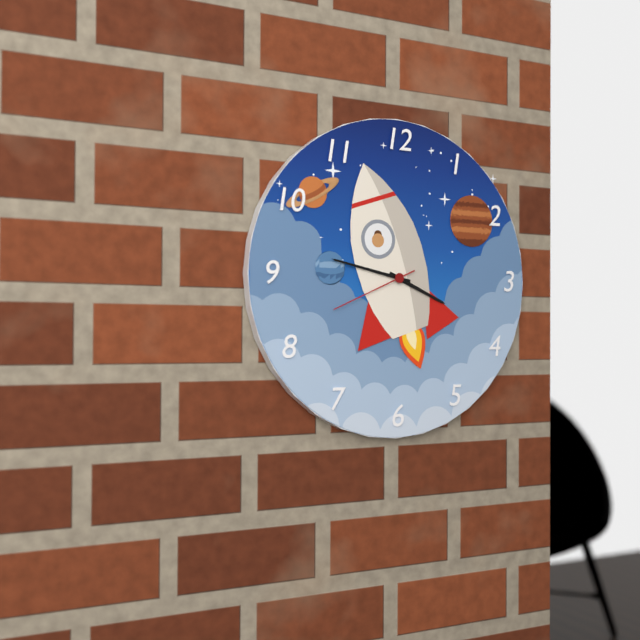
{"hour": 3, "minute": 47, "second": 41}
